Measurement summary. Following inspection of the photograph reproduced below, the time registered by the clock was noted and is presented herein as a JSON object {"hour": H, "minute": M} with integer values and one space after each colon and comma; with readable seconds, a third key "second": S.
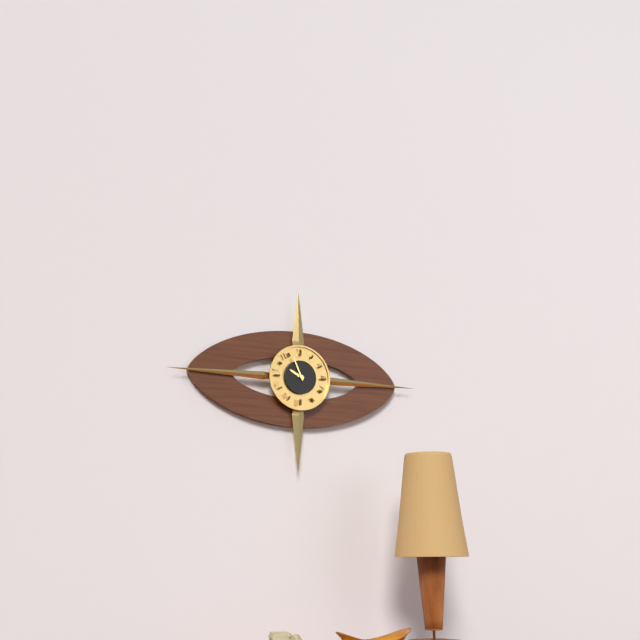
{"hour": 9, "minute": 56}
